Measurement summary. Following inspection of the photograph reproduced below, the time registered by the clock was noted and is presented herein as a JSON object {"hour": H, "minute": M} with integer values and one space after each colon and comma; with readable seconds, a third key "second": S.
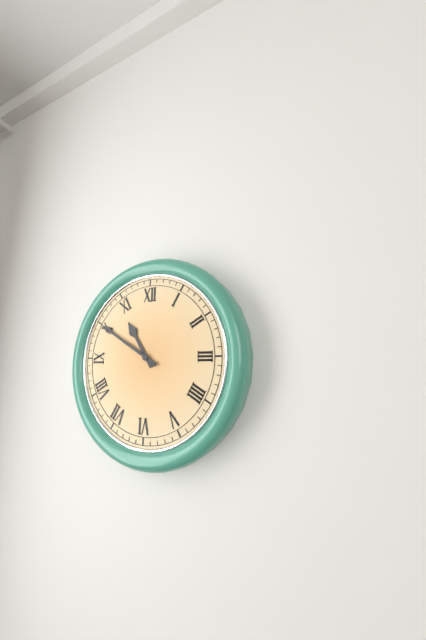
{"hour": 10, "minute": 50}
